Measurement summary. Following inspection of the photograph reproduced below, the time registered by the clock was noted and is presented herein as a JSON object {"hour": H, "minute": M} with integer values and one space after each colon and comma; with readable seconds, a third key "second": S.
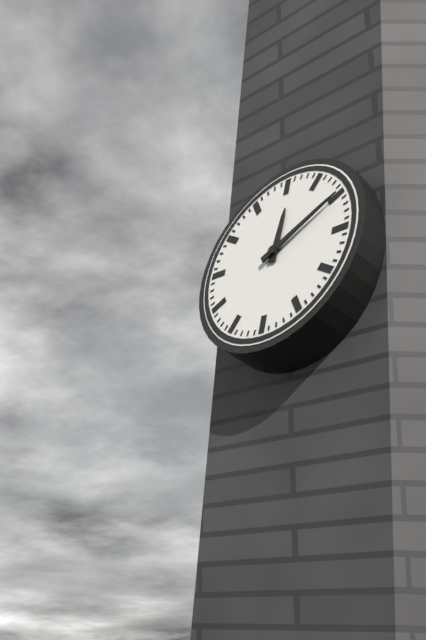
{"hour": 12, "minute": 10}
